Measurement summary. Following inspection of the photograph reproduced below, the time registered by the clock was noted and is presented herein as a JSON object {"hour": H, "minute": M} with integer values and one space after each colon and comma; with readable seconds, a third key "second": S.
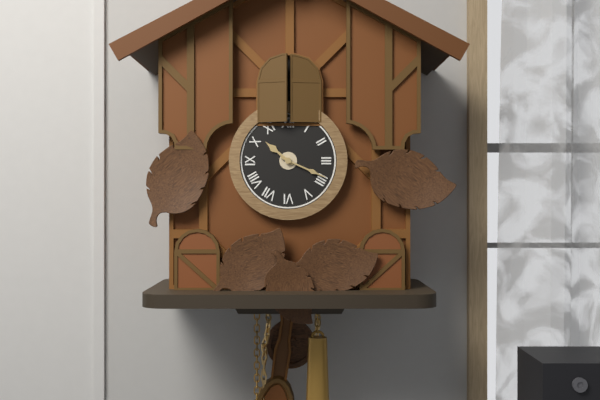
{"hour": 10, "minute": 19}
